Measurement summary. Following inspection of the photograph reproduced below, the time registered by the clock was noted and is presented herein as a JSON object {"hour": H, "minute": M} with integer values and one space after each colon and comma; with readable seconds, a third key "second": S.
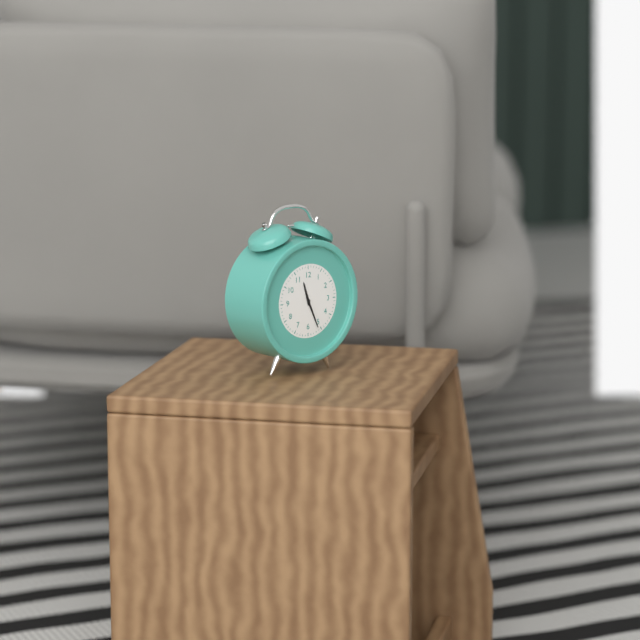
{"hour": 11, "minute": 26}
